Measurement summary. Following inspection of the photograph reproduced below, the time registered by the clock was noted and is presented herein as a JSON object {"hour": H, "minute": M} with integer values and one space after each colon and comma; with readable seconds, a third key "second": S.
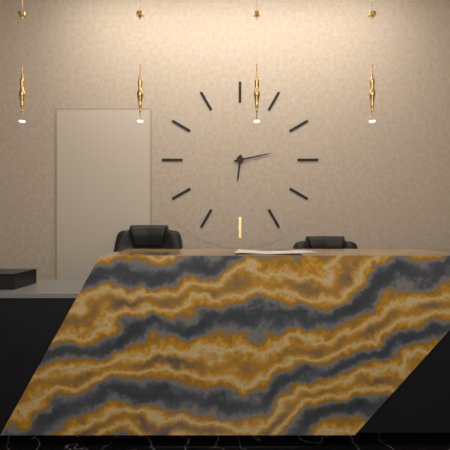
{"hour": 6, "minute": 13}
